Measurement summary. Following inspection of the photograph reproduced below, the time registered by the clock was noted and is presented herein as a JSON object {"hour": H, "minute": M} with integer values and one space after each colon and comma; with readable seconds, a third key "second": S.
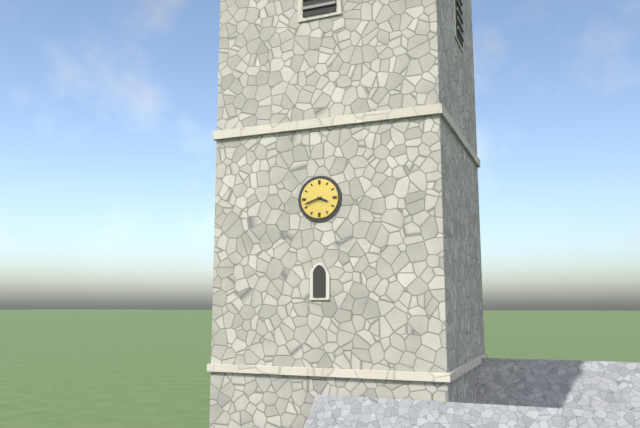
{"hour": 3, "minute": 42}
